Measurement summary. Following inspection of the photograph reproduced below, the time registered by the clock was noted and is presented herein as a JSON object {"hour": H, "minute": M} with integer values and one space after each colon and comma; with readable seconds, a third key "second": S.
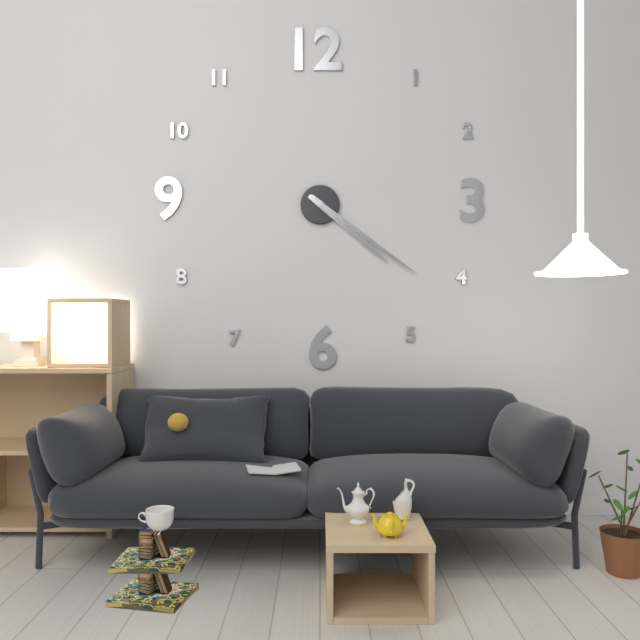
{"hour": 4, "minute": 21}
